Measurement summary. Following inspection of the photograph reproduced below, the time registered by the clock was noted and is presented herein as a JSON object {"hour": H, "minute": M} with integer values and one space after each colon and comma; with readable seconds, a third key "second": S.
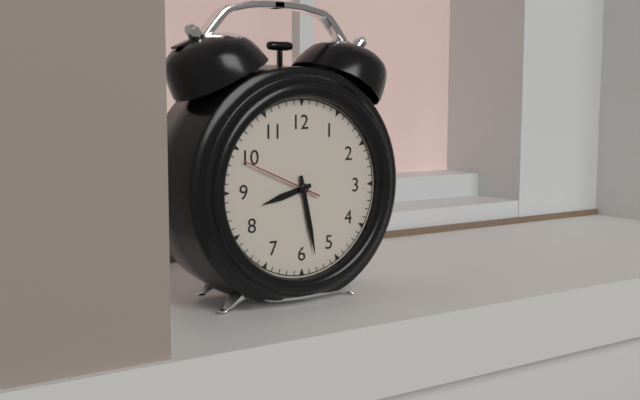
{"hour": 8, "minute": 28, "second": 49}
